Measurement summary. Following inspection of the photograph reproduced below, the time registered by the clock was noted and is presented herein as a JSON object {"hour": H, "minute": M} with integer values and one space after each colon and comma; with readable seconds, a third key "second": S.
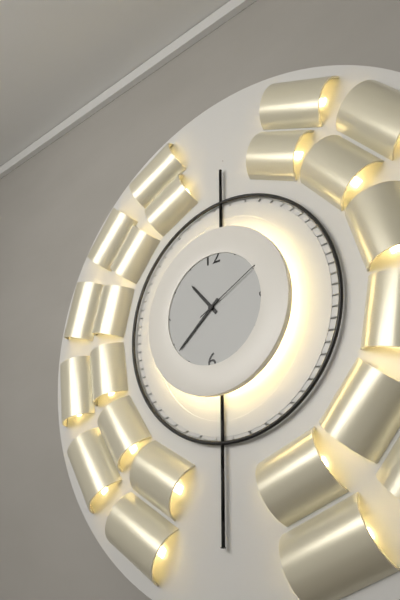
{"hour": 10, "minute": 38, "second": 10}
